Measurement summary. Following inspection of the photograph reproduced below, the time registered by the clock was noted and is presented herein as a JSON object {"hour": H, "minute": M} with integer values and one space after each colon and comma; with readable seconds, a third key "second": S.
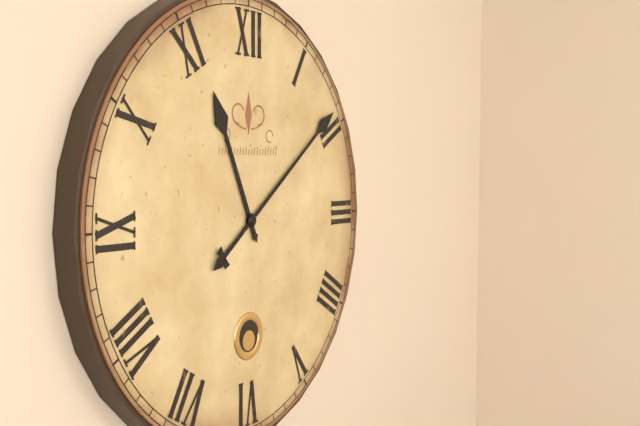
{"hour": 11, "minute": 9}
